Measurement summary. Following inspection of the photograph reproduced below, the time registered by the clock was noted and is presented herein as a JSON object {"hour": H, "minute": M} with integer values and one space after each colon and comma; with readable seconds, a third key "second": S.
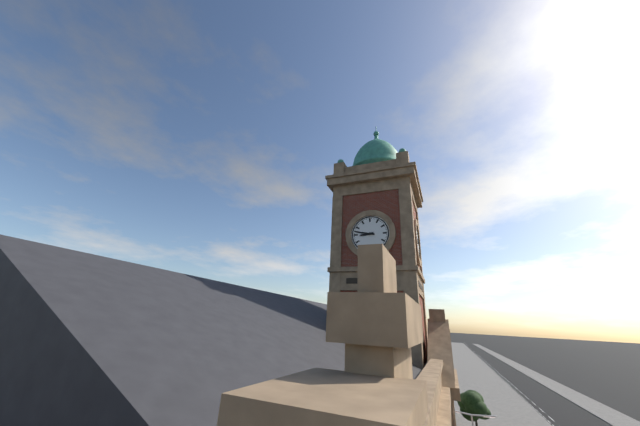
{"hour": 8, "minute": 47}
